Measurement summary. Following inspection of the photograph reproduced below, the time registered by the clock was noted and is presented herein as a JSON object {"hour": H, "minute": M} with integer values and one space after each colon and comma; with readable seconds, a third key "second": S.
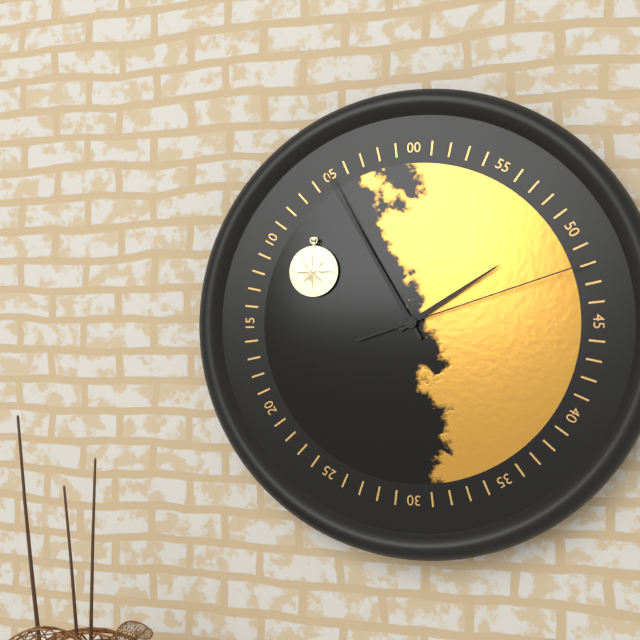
{"hour": 1, "minute": 55, "second": 12}
